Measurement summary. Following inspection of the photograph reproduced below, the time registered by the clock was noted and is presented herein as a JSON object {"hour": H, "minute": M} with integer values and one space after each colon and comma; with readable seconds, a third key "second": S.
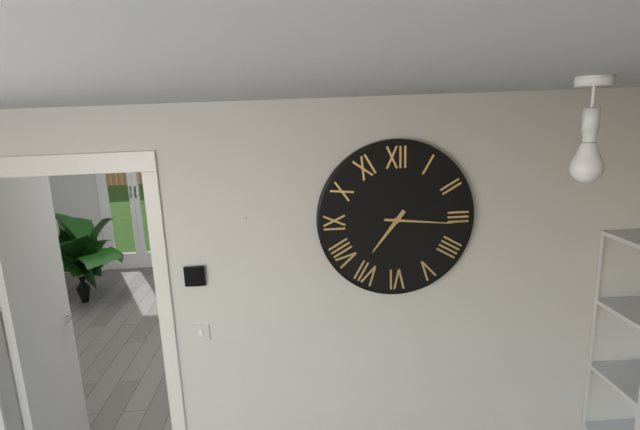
{"hour": 7, "minute": 16}
